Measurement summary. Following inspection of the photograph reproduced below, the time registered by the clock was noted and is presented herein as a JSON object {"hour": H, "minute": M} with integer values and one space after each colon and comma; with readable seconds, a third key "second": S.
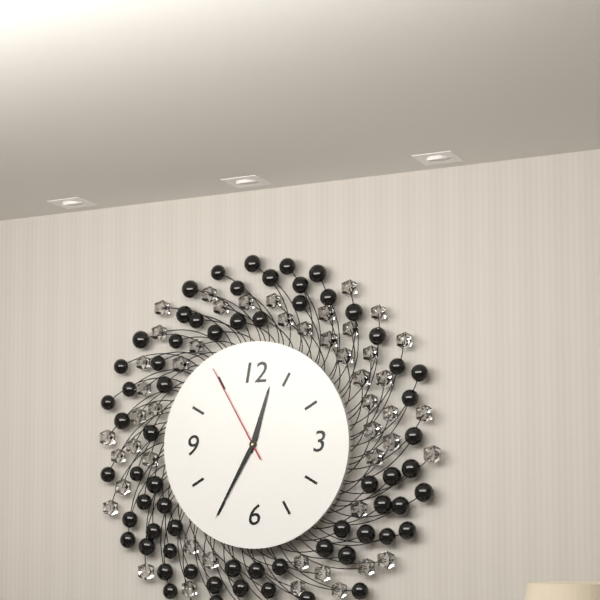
{"hour": 12, "minute": 35, "second": 55}
